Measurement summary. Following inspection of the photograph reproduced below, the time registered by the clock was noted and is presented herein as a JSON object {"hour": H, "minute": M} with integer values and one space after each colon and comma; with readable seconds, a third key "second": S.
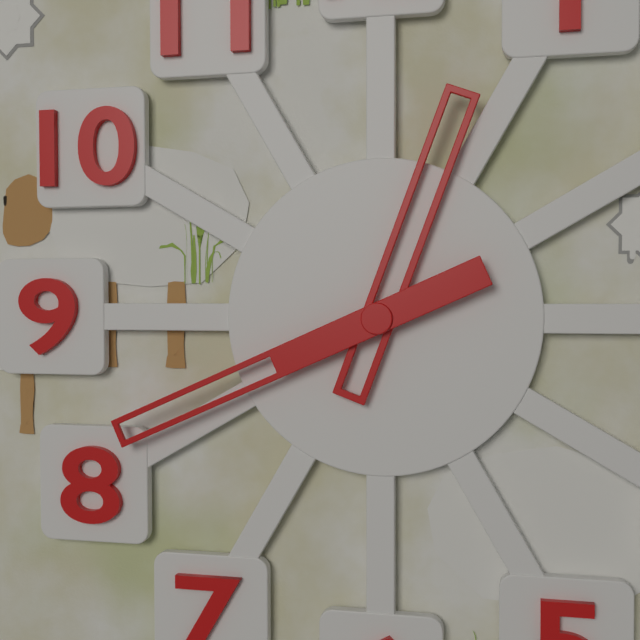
{"hour": 12, "minute": 41}
